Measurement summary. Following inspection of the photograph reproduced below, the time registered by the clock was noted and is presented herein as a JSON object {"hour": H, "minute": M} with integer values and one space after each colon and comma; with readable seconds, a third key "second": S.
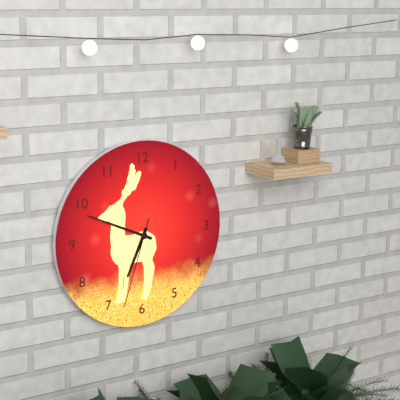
{"hour": 6, "minute": 49, "second": 33}
